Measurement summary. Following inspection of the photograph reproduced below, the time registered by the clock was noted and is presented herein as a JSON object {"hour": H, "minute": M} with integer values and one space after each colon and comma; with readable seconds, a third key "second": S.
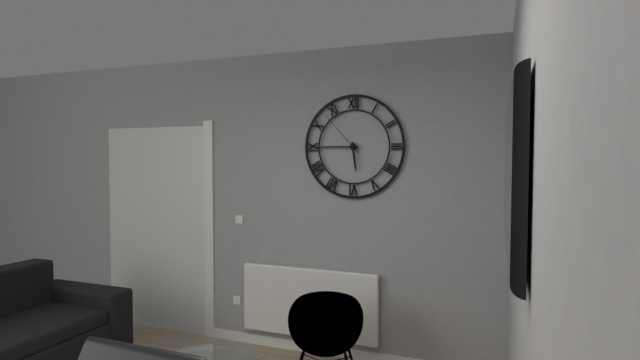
{"hour": 5, "minute": 45, "second": 53}
